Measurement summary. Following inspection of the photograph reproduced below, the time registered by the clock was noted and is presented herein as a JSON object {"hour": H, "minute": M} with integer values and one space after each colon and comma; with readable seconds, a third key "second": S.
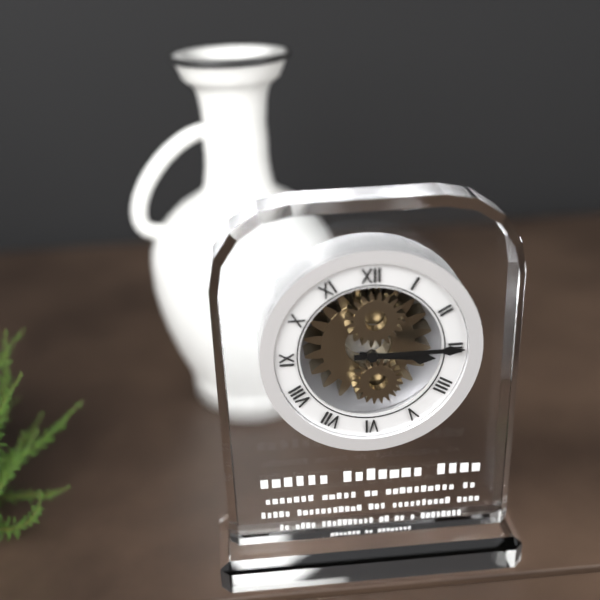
{"hour": 3, "minute": 15}
